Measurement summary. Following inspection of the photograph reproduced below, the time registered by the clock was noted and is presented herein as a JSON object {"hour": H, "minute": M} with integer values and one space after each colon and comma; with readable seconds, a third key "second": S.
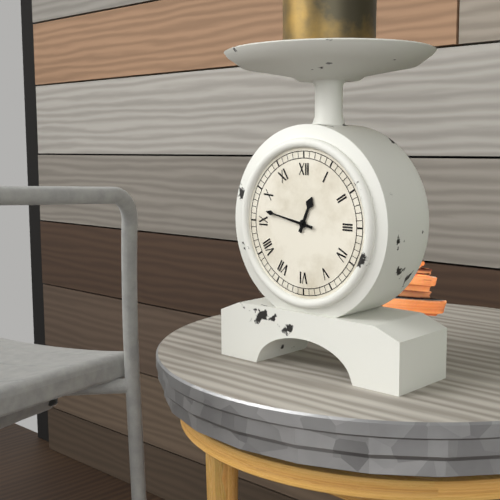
{"hour": 12, "minute": 47}
